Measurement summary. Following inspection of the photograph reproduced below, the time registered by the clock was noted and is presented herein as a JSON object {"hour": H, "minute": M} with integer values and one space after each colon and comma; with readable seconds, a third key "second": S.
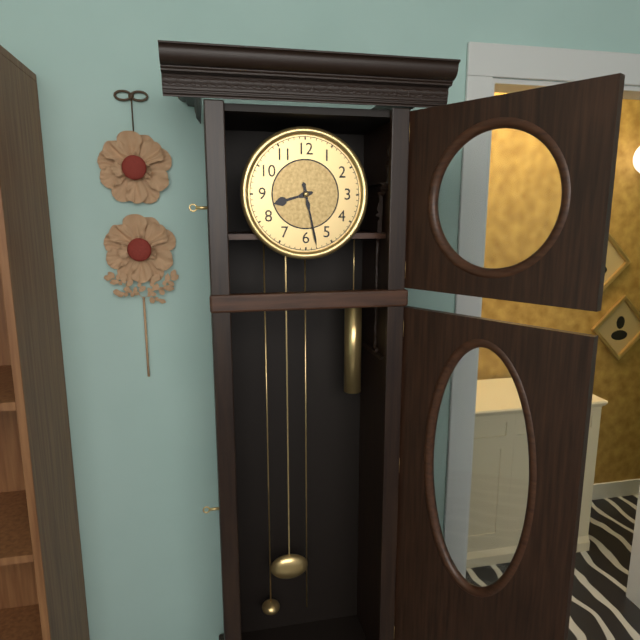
{"hour": 8, "minute": 28}
